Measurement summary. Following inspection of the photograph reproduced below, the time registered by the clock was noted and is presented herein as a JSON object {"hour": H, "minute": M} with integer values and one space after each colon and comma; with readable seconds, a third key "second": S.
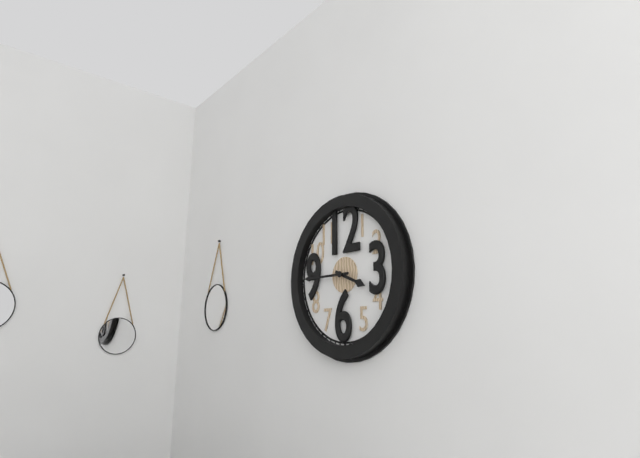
{"hour": 3, "minute": 45}
